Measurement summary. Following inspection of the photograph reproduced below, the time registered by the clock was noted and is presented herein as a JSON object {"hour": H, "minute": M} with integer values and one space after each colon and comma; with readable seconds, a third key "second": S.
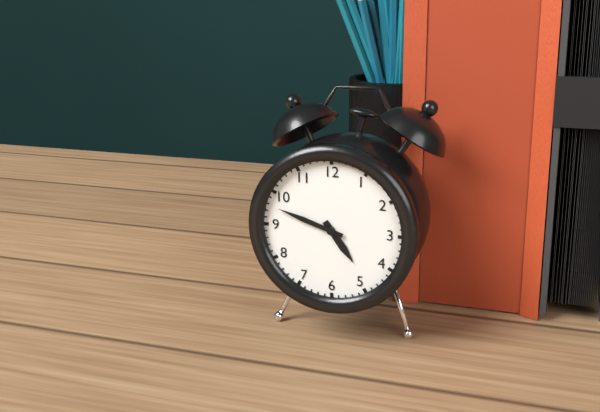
{"hour": 4, "minute": 48}
